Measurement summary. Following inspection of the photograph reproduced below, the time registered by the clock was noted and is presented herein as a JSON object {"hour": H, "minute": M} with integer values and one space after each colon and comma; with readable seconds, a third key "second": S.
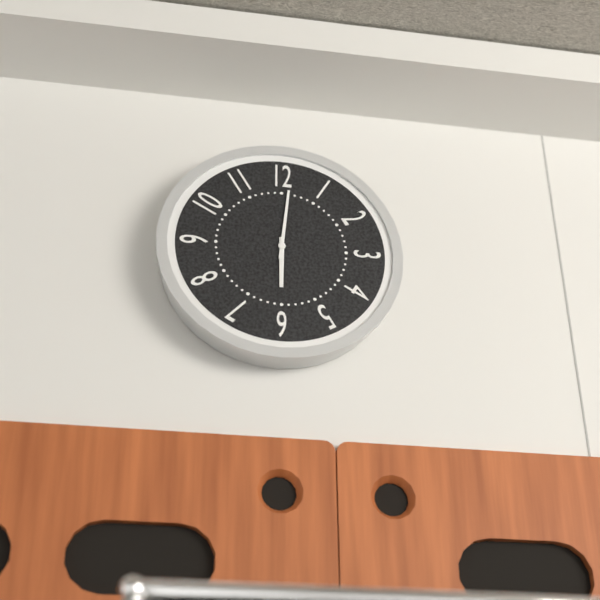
{"hour": 6, "minute": 1}
